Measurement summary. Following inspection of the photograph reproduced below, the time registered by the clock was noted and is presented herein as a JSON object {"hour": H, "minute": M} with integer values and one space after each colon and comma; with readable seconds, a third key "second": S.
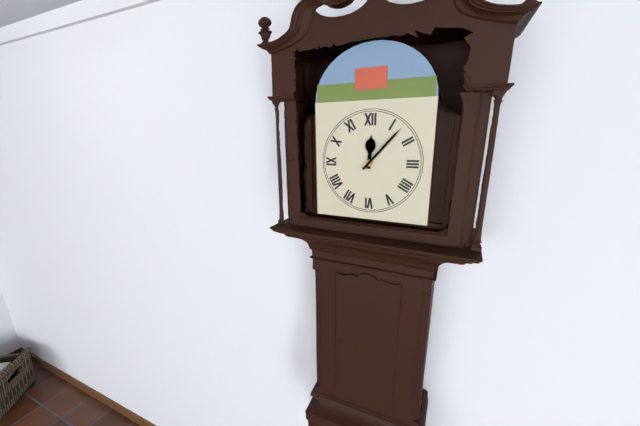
{"hour": 12, "minute": 7}
